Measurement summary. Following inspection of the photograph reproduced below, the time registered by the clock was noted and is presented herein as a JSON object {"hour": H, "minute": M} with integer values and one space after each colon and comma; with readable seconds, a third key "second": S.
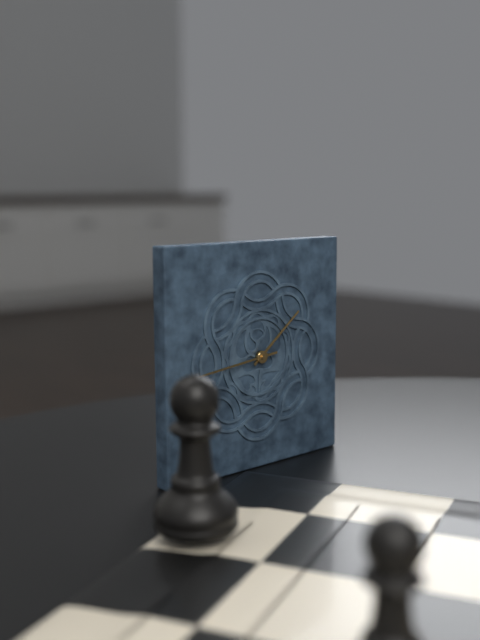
{"hour": 1, "minute": 44}
